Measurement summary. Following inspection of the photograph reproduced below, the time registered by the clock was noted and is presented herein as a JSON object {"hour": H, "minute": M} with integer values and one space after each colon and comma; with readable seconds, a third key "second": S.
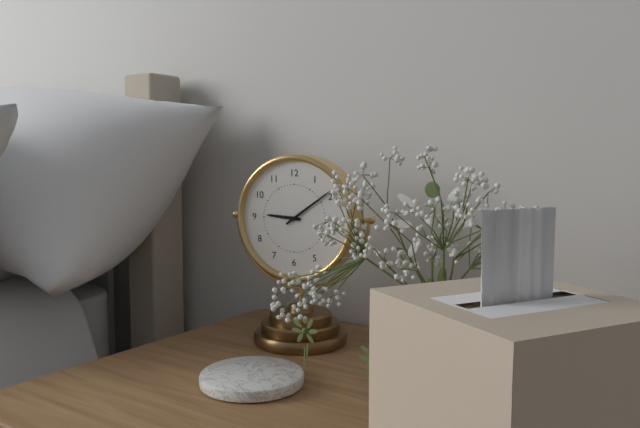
{"hour": 9, "minute": 9}
